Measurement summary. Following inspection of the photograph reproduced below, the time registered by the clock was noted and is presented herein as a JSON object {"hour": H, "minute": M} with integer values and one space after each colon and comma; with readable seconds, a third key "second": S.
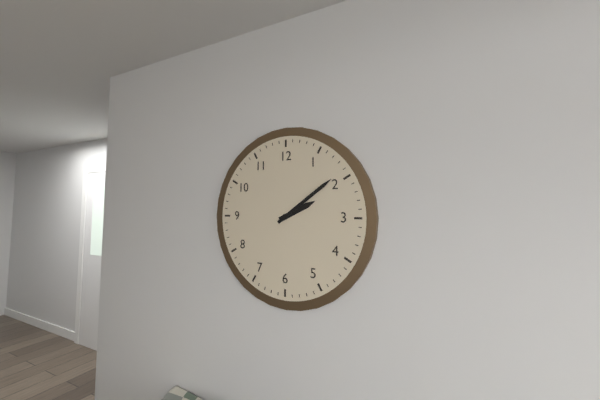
{"hour": 2, "minute": 9}
